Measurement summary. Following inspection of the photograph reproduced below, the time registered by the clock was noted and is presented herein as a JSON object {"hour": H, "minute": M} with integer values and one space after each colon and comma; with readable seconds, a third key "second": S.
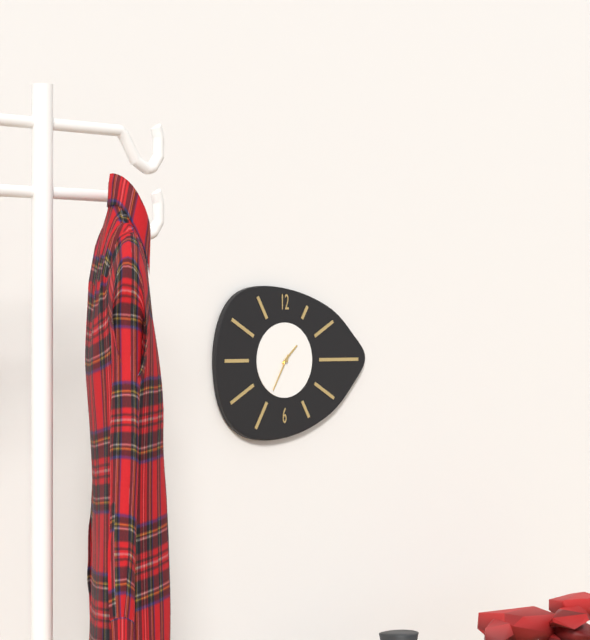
{"hour": 1, "minute": 35}
